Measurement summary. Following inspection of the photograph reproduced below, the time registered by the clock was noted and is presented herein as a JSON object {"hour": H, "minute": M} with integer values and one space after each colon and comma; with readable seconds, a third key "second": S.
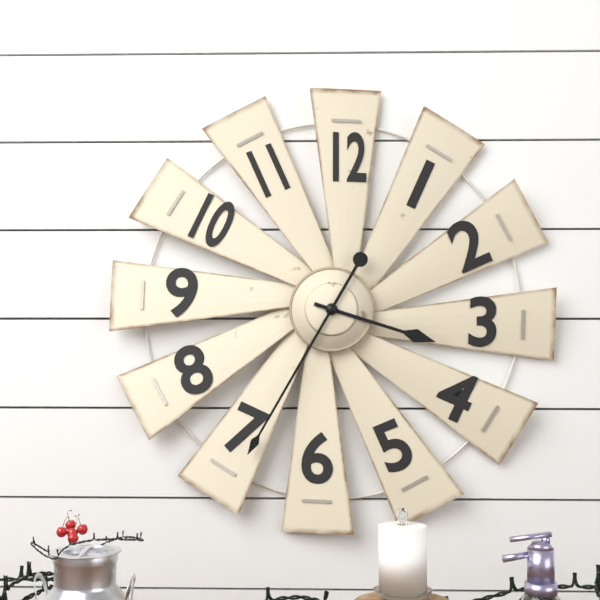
{"hour": 3, "minute": 35}
